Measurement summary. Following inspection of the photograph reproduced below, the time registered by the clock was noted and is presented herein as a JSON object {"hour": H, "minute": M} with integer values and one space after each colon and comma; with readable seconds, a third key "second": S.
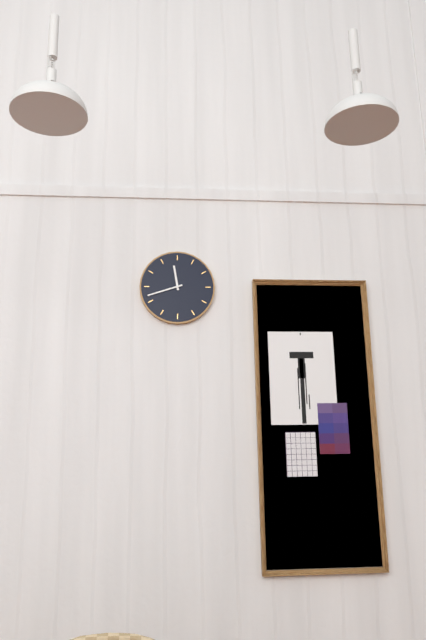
{"hour": 11, "minute": 42}
